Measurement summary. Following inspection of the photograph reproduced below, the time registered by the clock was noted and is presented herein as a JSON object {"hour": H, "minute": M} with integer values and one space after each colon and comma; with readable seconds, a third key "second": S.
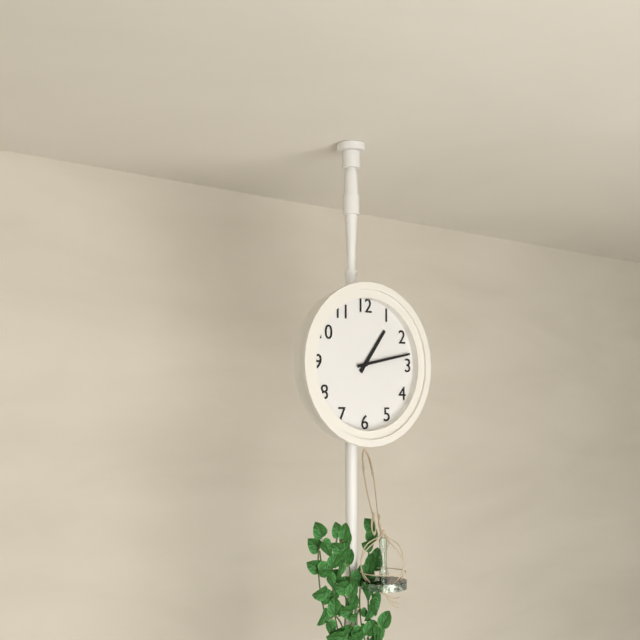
{"hour": 1, "minute": 13}
